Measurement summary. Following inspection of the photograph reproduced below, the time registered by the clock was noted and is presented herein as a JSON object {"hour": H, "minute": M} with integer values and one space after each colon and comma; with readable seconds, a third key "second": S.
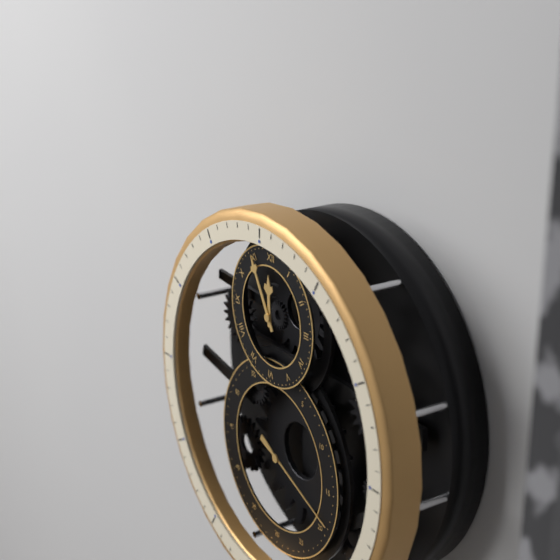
{"hour": 11, "minute": 55, "second": 19}
